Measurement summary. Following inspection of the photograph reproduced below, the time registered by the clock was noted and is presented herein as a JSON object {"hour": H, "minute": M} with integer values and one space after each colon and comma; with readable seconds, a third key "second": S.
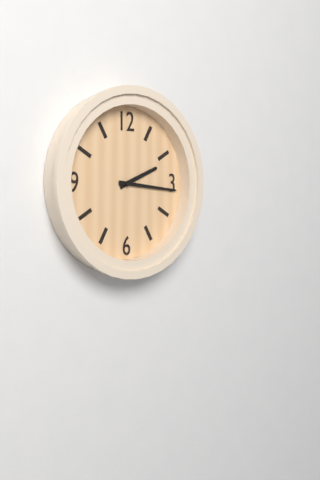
{"hour": 2, "minute": 16}
